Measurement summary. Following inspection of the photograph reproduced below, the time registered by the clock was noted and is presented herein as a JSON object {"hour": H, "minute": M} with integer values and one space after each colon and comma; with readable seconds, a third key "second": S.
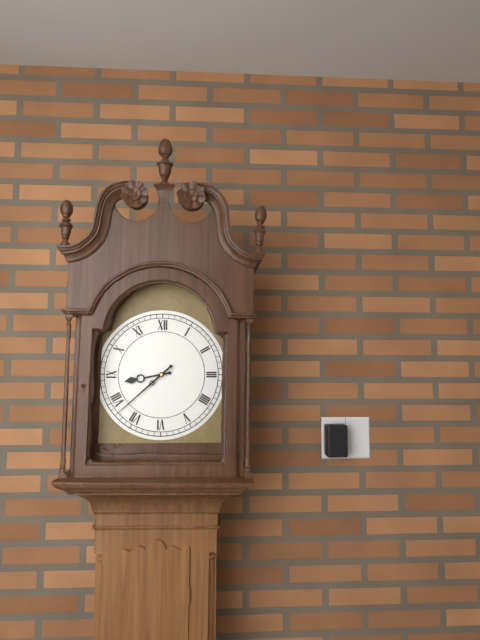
{"hour": 8, "minute": 38}
